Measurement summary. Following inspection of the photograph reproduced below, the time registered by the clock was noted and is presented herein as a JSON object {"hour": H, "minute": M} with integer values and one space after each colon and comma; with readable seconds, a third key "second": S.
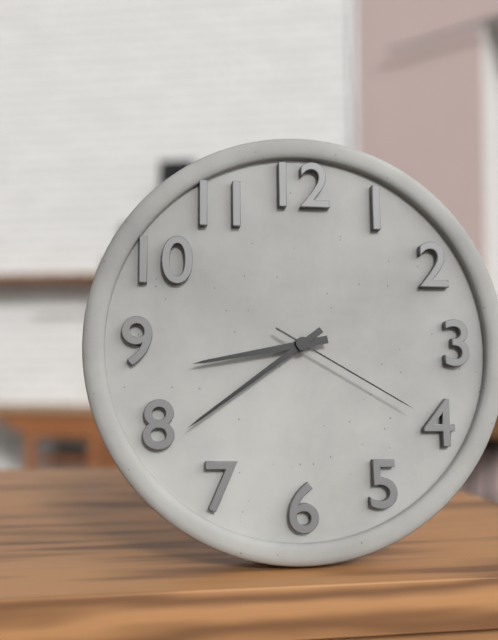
{"hour": 8, "minute": 39, "second": 20}
